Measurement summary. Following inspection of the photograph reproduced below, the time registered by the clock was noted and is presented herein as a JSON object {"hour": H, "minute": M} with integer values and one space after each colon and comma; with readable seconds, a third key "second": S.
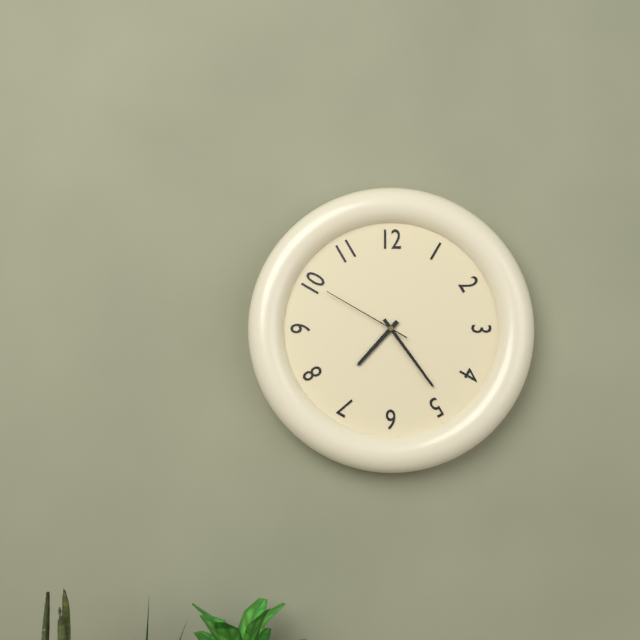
{"hour": 7, "minute": 24, "second": 50}
